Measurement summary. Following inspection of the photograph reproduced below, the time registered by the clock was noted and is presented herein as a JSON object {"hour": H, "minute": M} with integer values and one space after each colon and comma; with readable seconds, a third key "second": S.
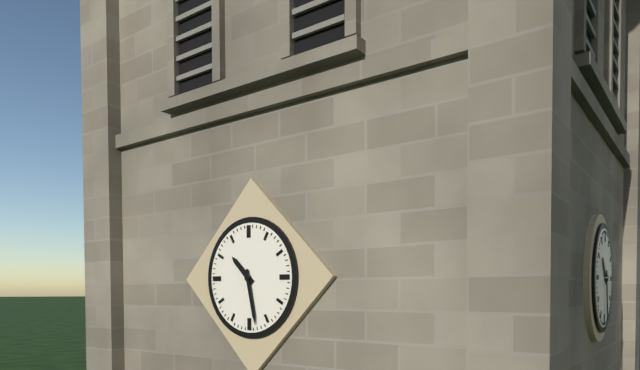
{"hour": 10, "minute": 28}
